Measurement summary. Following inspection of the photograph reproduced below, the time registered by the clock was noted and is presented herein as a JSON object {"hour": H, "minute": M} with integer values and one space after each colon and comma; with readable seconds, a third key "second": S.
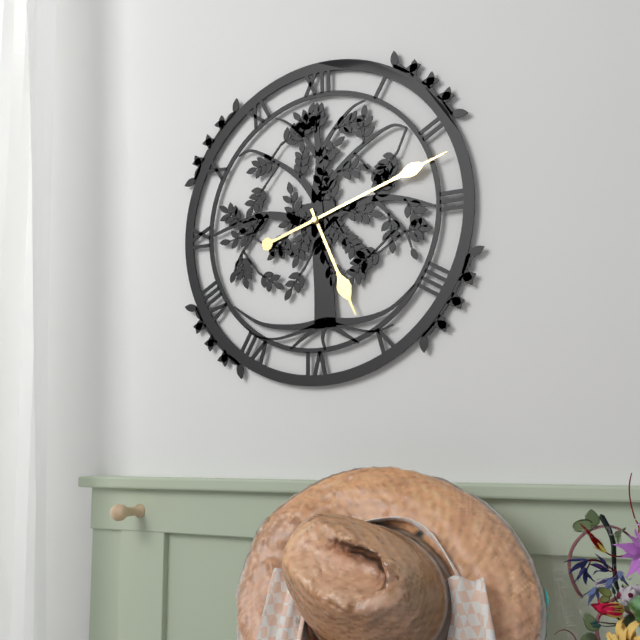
{"hour": 5, "minute": 12}
